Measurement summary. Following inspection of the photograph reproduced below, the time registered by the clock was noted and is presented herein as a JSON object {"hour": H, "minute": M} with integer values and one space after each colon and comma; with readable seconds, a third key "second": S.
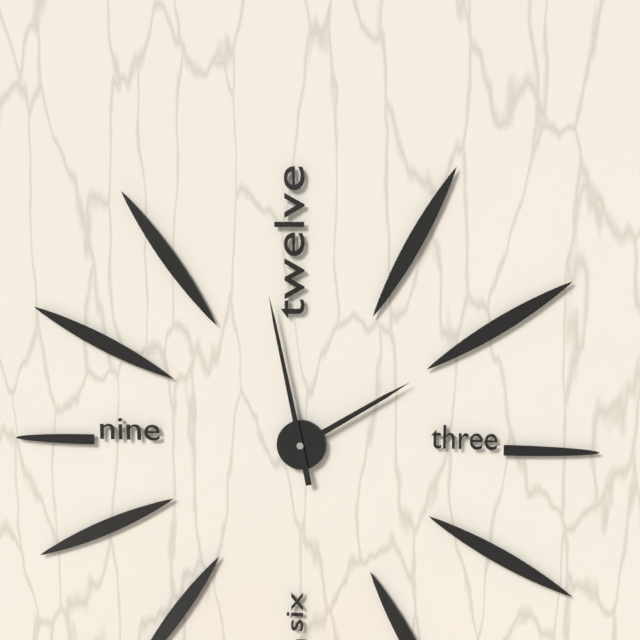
{"hour": 1, "minute": 58}
